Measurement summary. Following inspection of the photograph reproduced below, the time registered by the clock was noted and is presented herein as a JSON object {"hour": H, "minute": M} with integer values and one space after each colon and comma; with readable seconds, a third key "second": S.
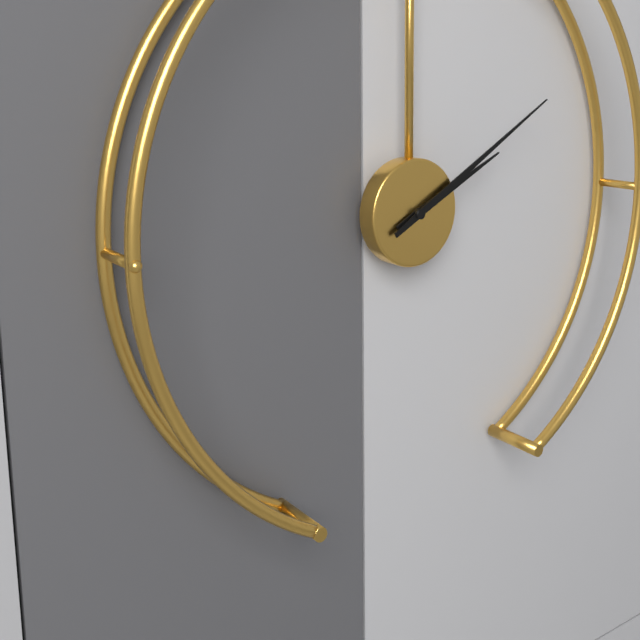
{"hour": 2, "minute": 10}
